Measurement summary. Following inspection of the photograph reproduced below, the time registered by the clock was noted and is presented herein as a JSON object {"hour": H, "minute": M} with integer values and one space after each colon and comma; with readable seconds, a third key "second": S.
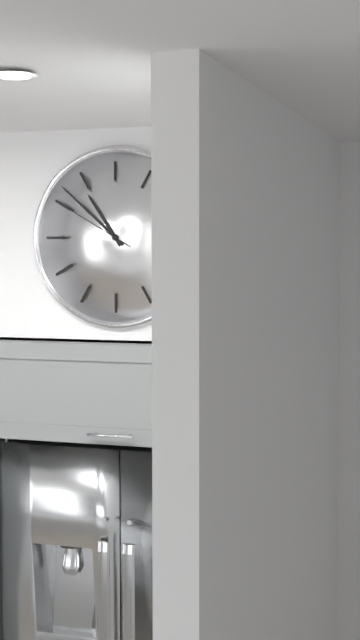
{"hour": 10, "minute": 52, "second": 50}
